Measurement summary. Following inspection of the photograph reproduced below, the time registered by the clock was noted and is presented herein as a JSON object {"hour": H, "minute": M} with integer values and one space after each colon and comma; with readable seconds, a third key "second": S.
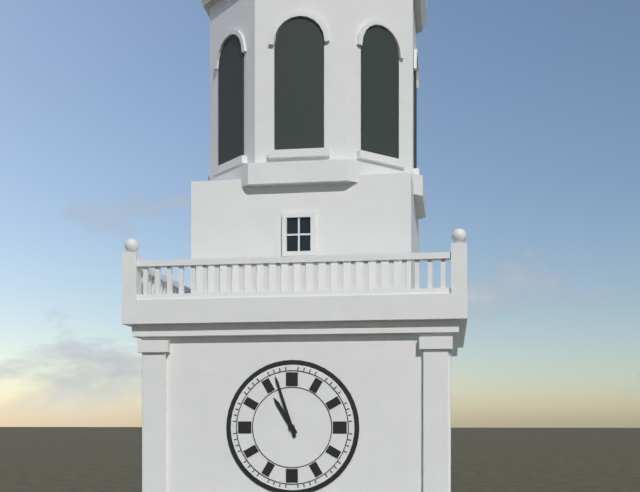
{"hour": 10, "minute": 57}
